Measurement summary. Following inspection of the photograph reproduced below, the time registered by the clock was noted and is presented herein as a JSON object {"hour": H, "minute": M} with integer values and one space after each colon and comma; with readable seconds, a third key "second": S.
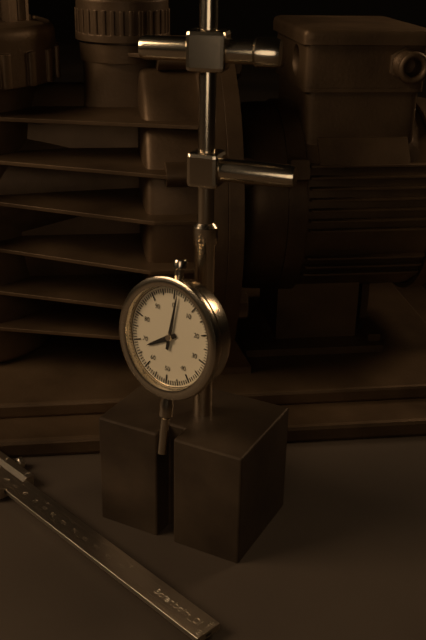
{"hour": 8, "minute": 1}
